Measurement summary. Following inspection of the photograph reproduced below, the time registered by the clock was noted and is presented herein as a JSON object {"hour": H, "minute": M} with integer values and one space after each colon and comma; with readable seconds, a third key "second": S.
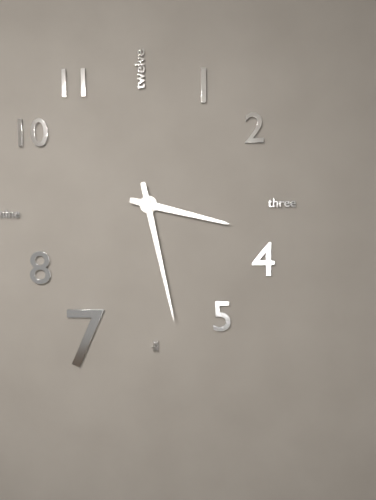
{"hour": 3, "minute": 28}
